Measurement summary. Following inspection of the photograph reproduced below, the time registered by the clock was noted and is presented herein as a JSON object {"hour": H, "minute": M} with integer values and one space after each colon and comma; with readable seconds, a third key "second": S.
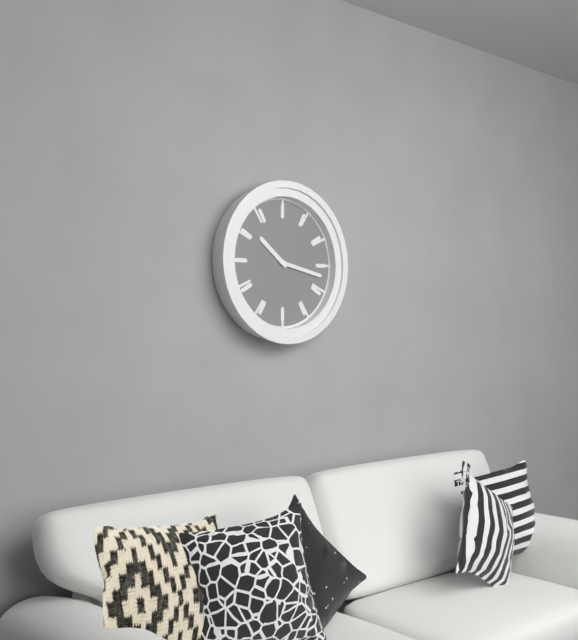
{"hour": 10, "minute": 17}
